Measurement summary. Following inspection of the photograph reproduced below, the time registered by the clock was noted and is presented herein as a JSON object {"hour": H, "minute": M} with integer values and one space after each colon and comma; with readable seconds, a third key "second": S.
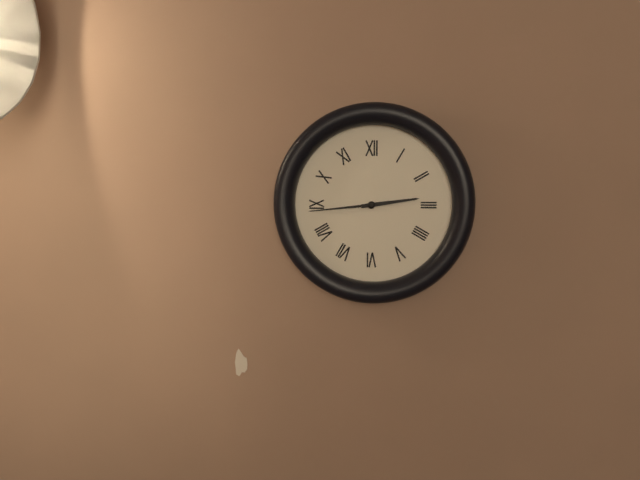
{"hour": 2, "minute": 44}
